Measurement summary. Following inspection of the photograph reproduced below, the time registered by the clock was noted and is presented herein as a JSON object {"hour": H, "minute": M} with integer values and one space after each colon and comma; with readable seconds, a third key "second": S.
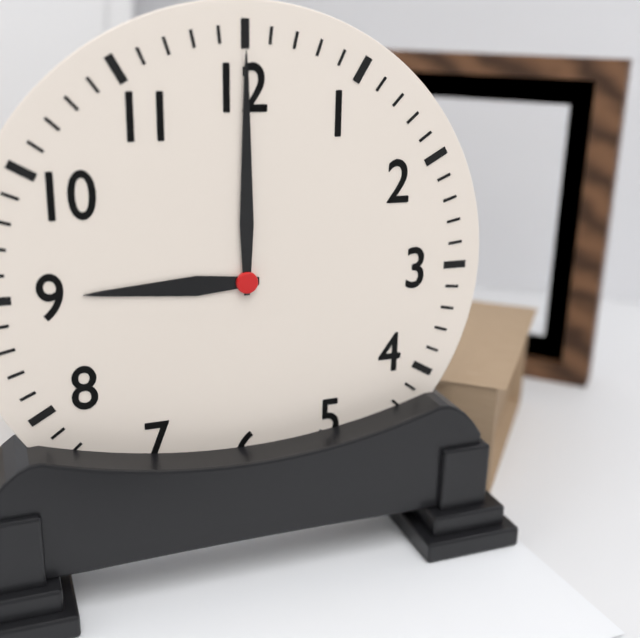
{"hour": 9, "minute": 0}
